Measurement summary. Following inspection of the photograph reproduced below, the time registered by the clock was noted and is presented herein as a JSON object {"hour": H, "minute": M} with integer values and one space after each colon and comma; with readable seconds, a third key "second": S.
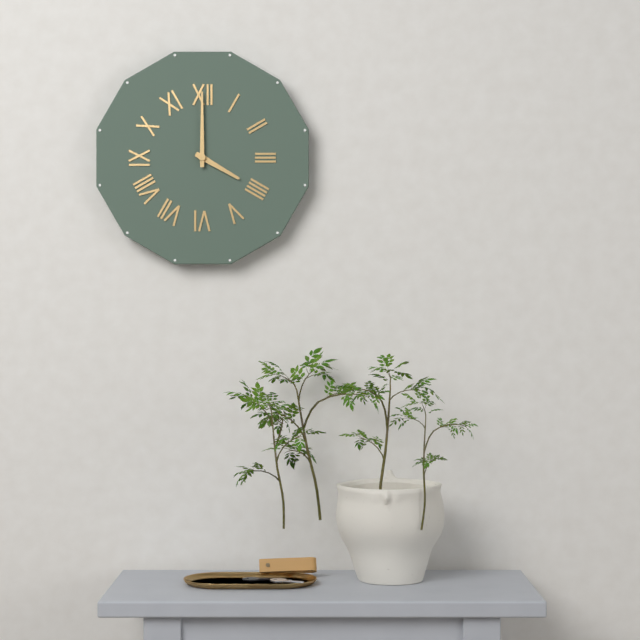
{"hour": 4, "minute": 0}
